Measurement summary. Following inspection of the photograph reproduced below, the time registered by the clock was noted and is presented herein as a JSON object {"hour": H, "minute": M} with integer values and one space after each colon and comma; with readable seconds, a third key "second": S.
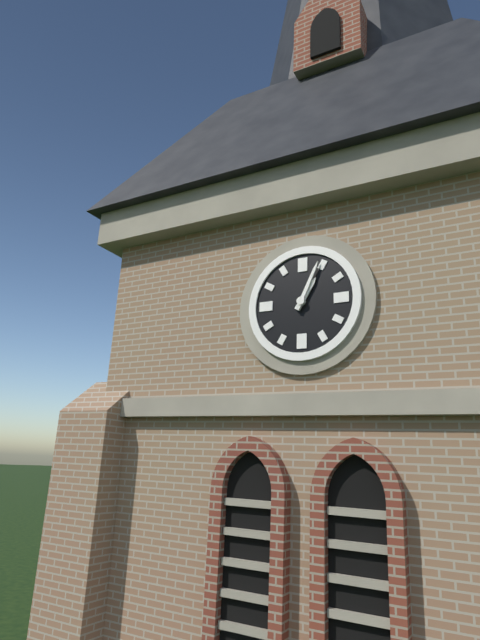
{"hour": 1, "minute": 4}
